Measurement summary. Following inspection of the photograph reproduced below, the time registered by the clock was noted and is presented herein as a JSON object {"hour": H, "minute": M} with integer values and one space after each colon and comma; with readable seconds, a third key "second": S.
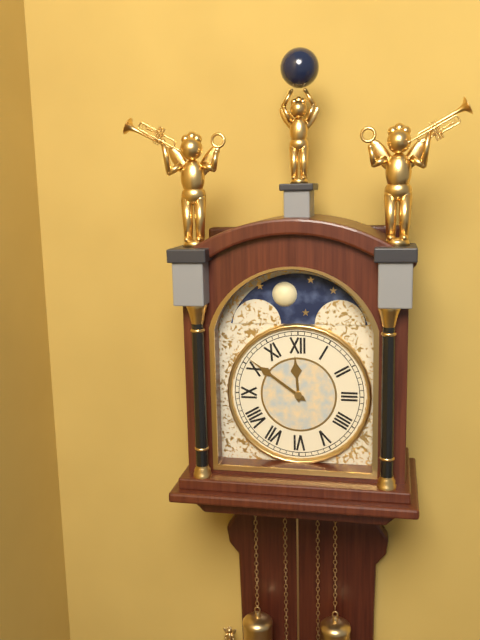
{"hour": 11, "minute": 51}
